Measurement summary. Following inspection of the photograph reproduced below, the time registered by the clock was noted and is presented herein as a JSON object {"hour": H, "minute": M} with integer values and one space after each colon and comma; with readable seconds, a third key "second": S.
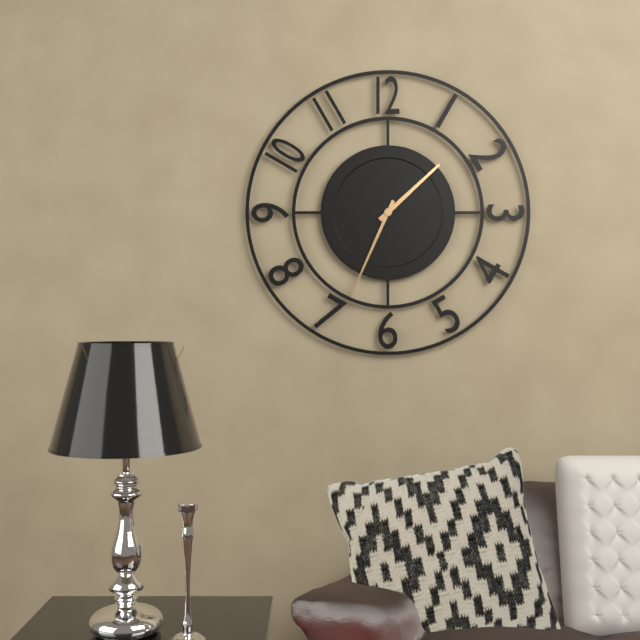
{"hour": 1, "minute": 34}
